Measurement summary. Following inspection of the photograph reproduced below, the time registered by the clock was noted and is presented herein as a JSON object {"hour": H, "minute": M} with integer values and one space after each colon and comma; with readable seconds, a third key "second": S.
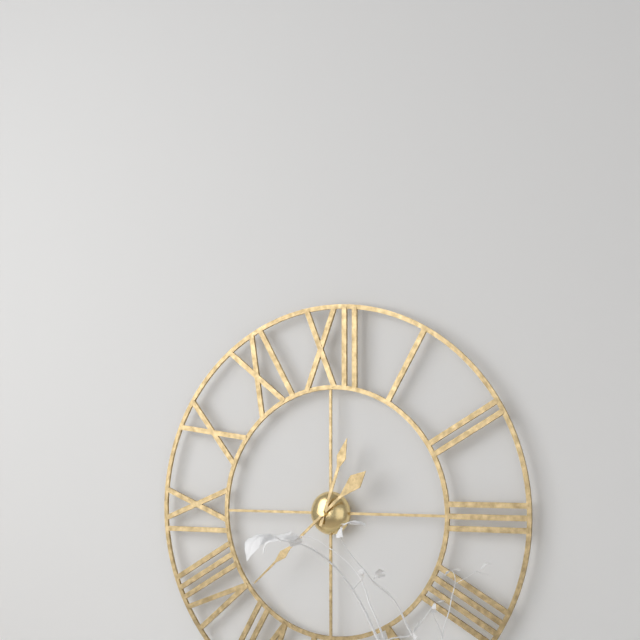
{"hour": 12, "minute": 38}
